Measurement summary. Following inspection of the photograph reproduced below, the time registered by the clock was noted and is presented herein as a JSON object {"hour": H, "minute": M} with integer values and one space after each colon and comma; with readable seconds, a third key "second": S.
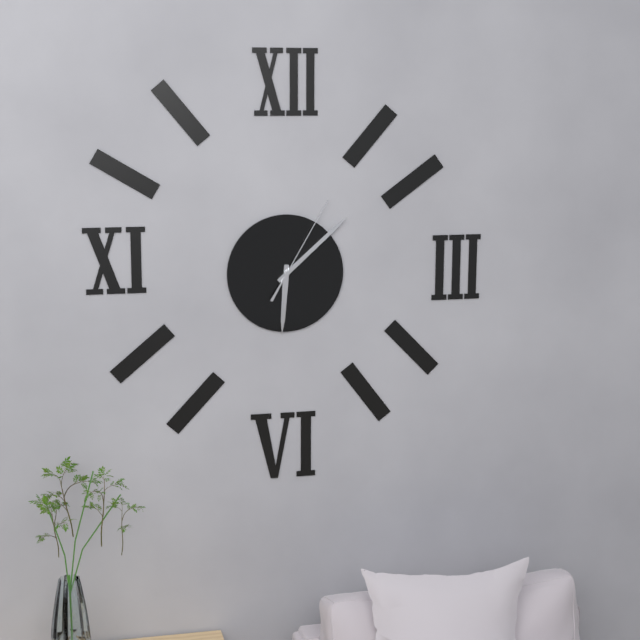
{"hour": 6, "minute": 8, "second": 5}
